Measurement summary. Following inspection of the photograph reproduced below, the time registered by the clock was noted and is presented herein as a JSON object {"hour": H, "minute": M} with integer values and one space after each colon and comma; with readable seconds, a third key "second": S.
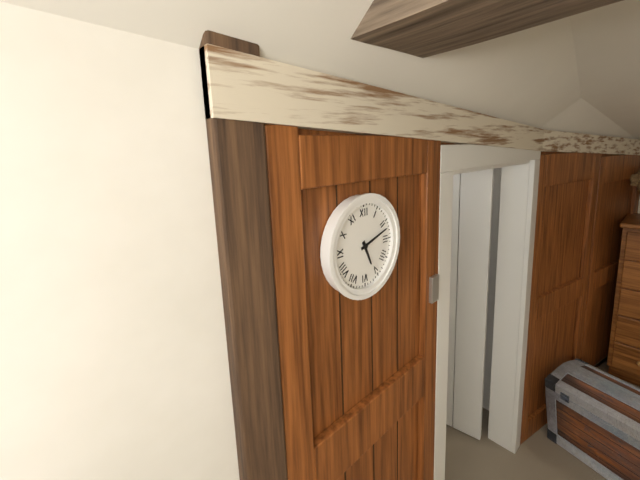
{"hour": 5, "minute": 12}
